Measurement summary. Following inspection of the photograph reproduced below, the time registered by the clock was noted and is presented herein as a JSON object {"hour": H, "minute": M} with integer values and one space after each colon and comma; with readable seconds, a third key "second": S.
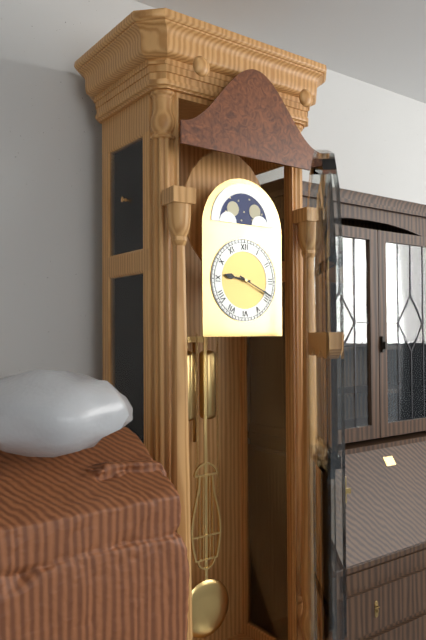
{"hour": 9, "minute": 19}
